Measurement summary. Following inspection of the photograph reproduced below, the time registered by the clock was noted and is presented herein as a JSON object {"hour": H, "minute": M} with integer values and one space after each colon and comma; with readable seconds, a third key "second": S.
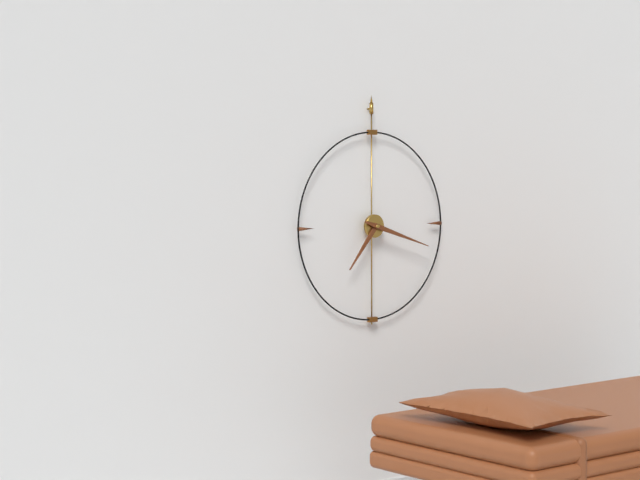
{"hour": 7, "minute": 18}
